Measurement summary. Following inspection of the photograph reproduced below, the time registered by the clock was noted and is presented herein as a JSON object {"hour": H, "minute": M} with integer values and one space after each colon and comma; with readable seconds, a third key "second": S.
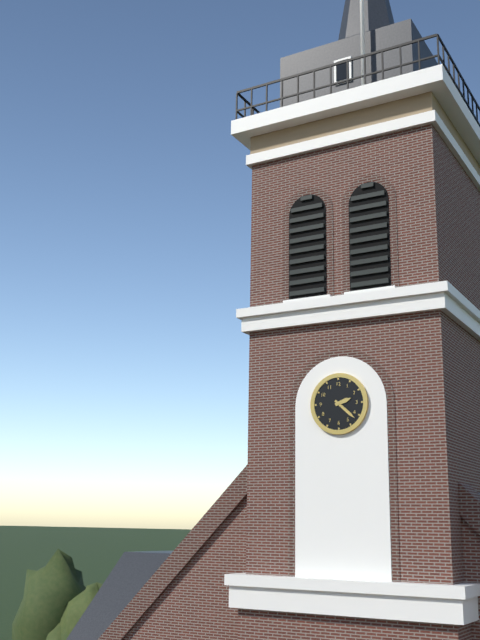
{"hour": 2, "minute": 22}
